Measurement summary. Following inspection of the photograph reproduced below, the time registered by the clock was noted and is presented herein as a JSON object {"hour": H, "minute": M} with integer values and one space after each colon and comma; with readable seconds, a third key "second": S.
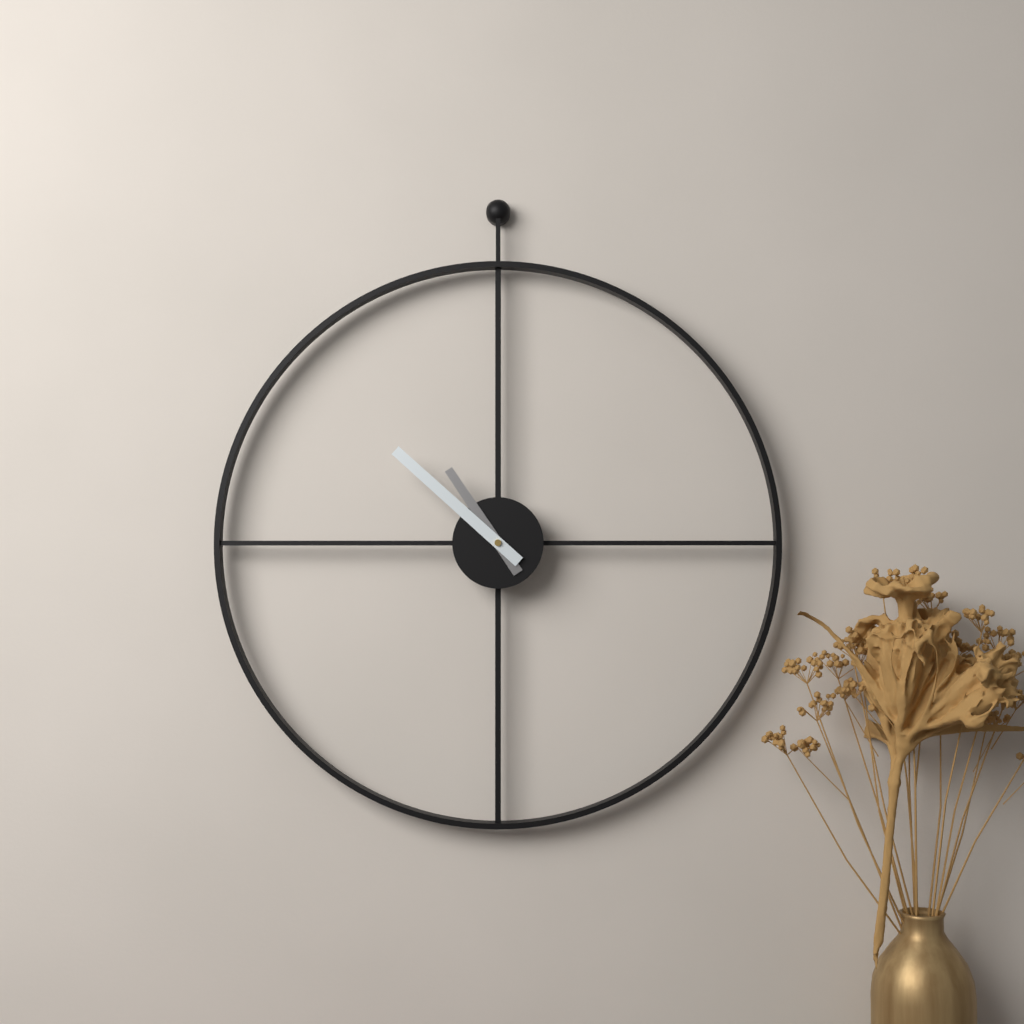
{"hour": 10, "minute": 52}
